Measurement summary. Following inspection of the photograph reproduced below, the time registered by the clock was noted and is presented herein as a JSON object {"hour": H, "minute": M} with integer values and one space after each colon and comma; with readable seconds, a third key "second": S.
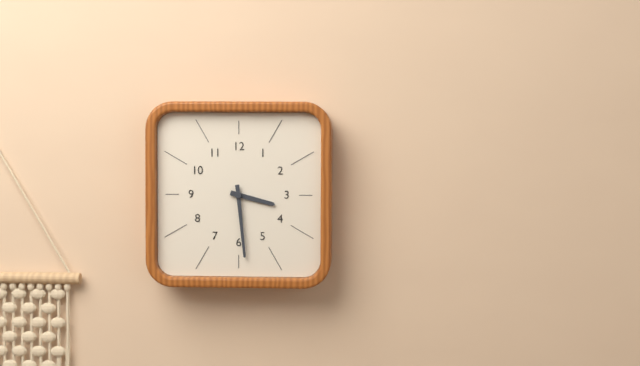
{"hour": 3, "minute": 29}
